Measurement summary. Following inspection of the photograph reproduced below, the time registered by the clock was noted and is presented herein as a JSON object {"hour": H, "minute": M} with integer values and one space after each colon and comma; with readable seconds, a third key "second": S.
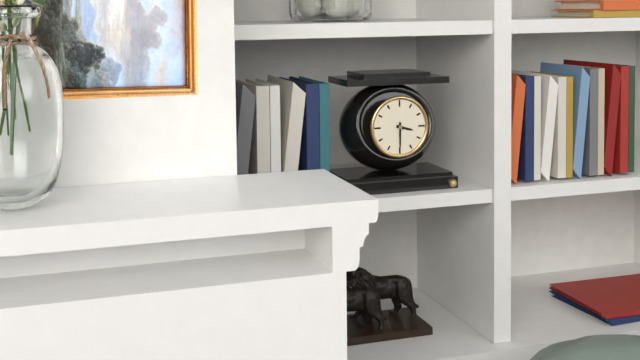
{"hour": 3, "minute": 30}
